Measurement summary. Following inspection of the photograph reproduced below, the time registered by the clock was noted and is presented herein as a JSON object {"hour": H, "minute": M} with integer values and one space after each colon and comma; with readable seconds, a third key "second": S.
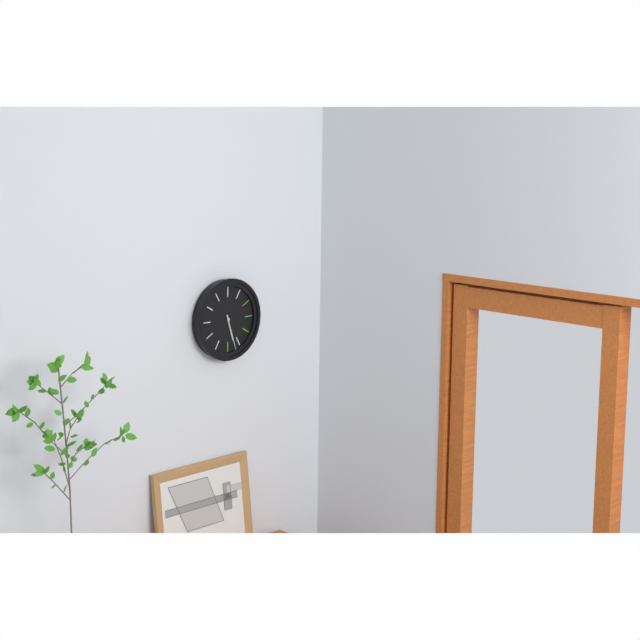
{"hour": 5, "minute": 27}
